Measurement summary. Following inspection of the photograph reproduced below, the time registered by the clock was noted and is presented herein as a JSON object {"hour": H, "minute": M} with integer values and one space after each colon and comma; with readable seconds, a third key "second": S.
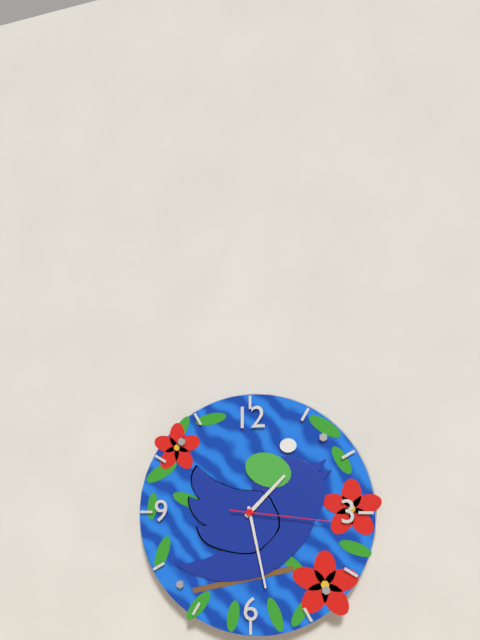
{"hour": 1, "minute": 28, "second": 16}
